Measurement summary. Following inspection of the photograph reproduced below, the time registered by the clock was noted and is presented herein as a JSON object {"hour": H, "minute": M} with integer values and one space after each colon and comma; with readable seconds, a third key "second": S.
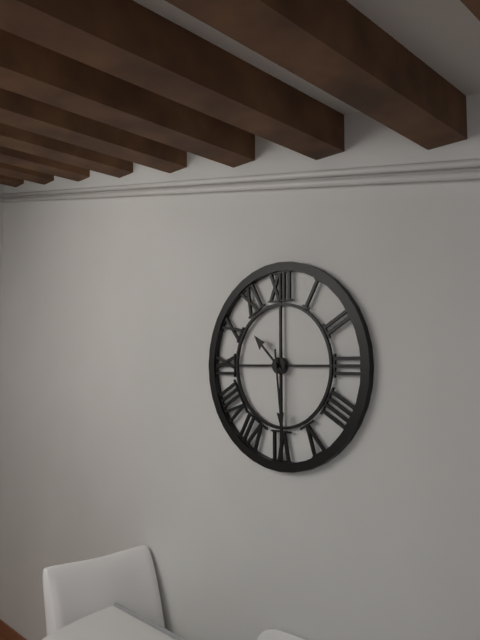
{"hour": 10, "minute": 29}
